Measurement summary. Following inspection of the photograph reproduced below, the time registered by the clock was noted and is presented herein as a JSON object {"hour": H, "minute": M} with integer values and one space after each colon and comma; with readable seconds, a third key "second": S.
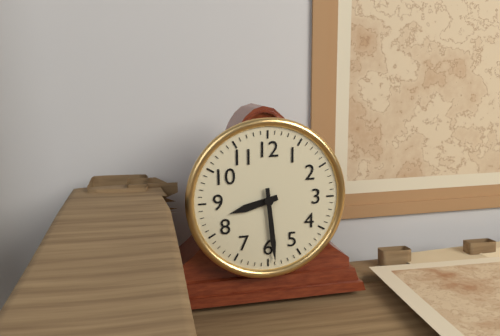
{"hour": 8, "minute": 29}
